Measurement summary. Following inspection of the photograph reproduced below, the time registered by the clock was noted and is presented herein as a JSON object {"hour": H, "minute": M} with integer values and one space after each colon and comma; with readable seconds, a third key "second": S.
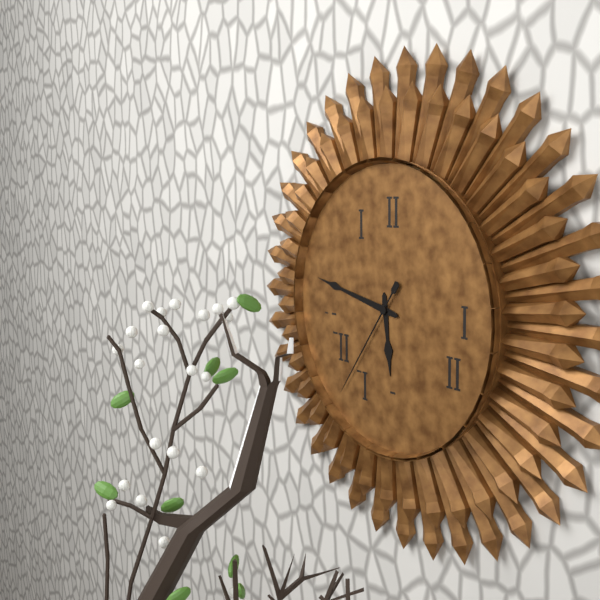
{"hour": 5, "minute": 47, "second": 36}
